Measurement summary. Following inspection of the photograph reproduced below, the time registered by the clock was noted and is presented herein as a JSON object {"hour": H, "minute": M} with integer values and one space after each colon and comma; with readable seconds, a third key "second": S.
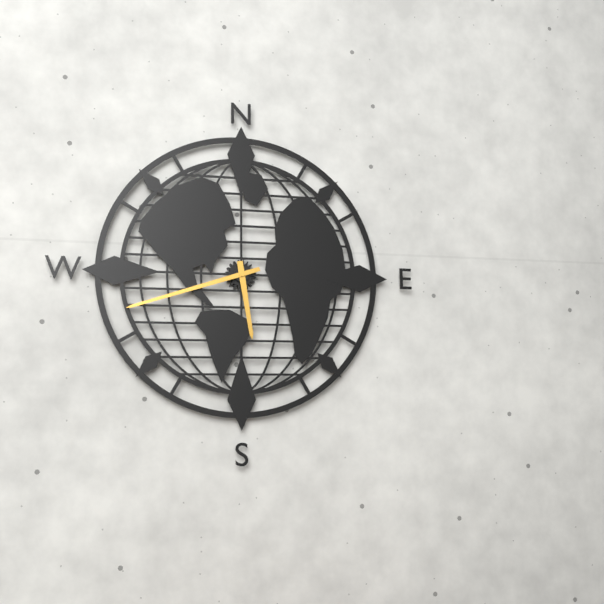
{"hour": 5, "minute": 42}
